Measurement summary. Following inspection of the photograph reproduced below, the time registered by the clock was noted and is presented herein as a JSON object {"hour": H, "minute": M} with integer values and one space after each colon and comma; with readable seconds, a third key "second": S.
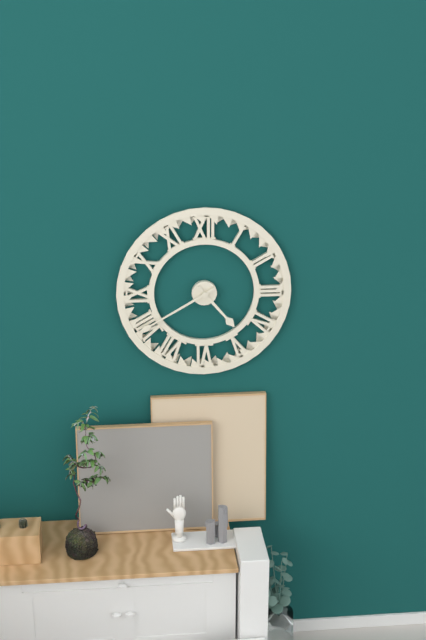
{"hour": 4, "minute": 40}
